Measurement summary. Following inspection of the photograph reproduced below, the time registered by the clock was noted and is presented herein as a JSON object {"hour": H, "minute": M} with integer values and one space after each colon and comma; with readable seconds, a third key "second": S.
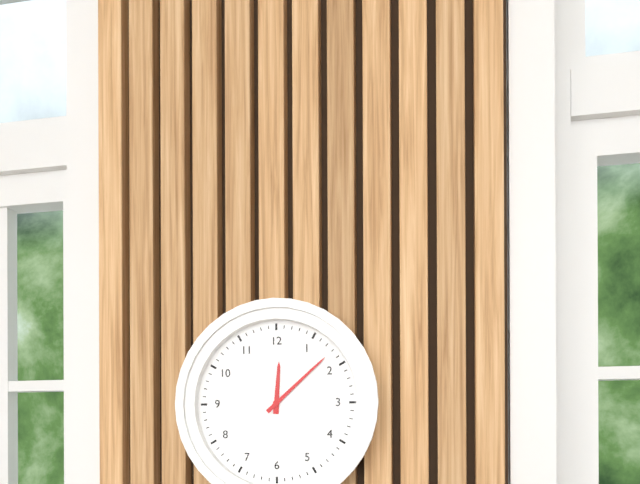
{"hour": 12, "minute": 8}
